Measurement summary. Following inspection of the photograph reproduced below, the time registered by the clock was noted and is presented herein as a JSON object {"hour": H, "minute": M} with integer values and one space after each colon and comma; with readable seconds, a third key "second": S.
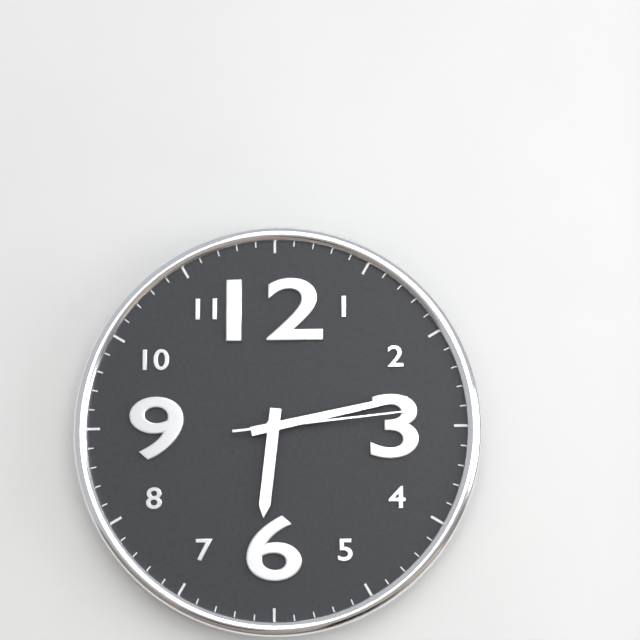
{"hour": 6, "minute": 13, "second": 14}
